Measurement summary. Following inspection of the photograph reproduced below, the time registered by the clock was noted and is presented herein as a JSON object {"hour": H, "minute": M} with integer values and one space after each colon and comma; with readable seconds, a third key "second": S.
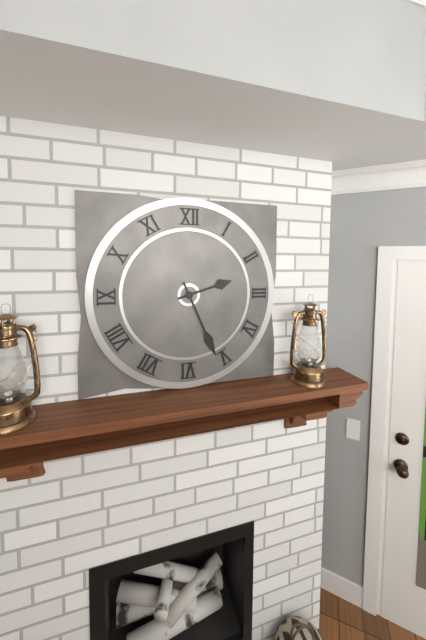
{"hour": 2, "minute": 26}
